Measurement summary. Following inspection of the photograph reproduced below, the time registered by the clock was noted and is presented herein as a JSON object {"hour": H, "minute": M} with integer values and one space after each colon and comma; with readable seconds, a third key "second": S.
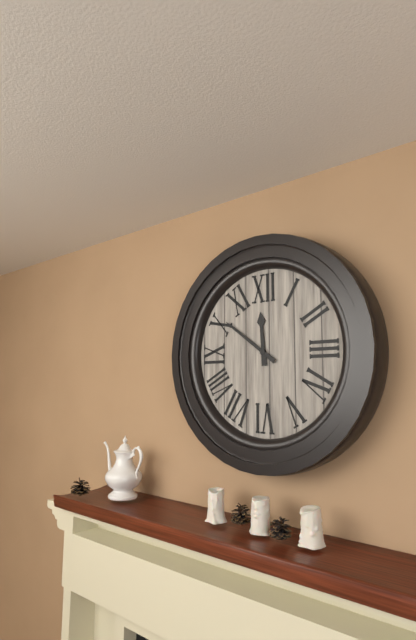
{"hour": 11, "minute": 51}
